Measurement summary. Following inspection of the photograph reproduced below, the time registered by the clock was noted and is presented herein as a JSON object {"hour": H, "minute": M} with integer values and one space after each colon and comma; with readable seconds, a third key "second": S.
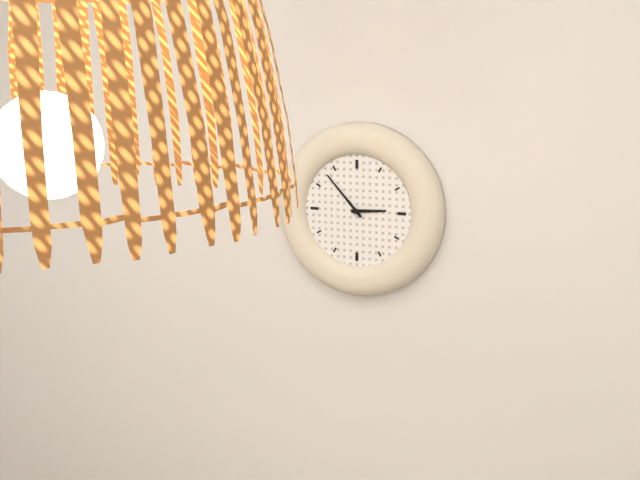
{"hour": 2, "minute": 53}
